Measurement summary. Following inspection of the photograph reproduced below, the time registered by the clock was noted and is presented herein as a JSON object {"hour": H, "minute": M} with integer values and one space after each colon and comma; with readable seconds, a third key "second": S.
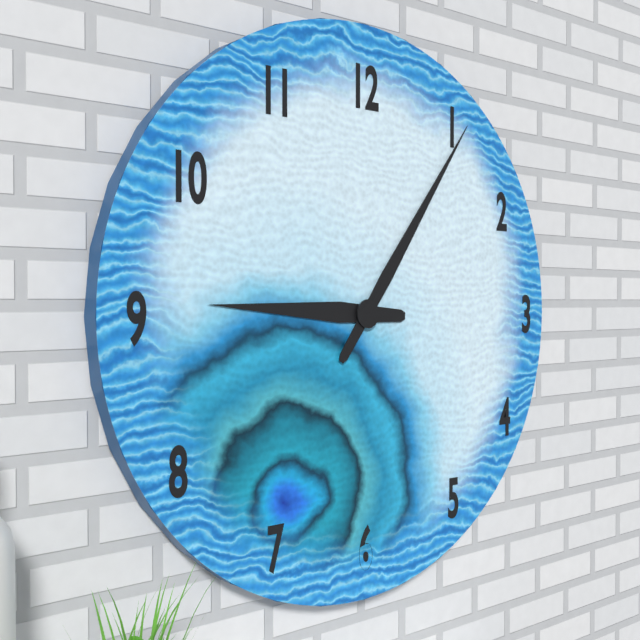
{"hour": 9, "minute": 6}
